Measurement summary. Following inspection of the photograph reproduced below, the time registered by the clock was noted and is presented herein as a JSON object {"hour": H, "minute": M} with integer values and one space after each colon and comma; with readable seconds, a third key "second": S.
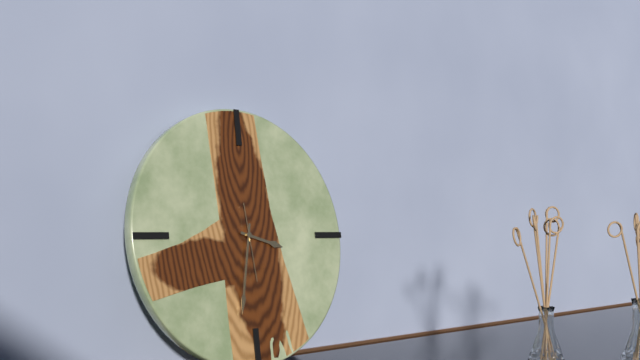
{"hour": 3, "minute": 32, "second": 29}
